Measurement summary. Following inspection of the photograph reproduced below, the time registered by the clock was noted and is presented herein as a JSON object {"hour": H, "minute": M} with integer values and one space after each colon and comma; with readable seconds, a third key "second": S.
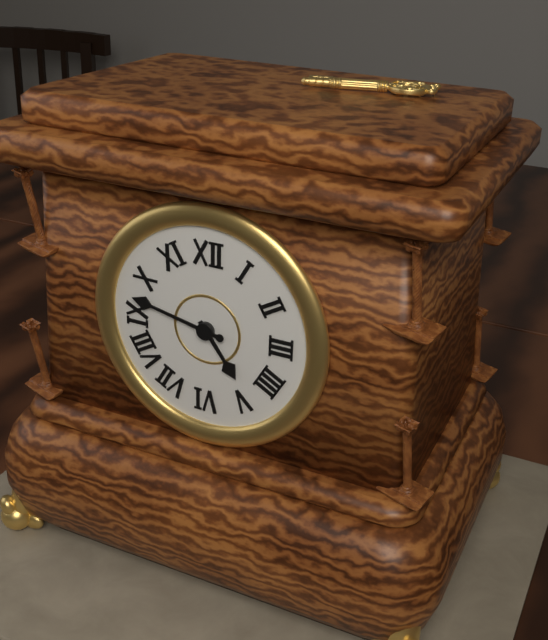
{"hour": 4, "minute": 47}
